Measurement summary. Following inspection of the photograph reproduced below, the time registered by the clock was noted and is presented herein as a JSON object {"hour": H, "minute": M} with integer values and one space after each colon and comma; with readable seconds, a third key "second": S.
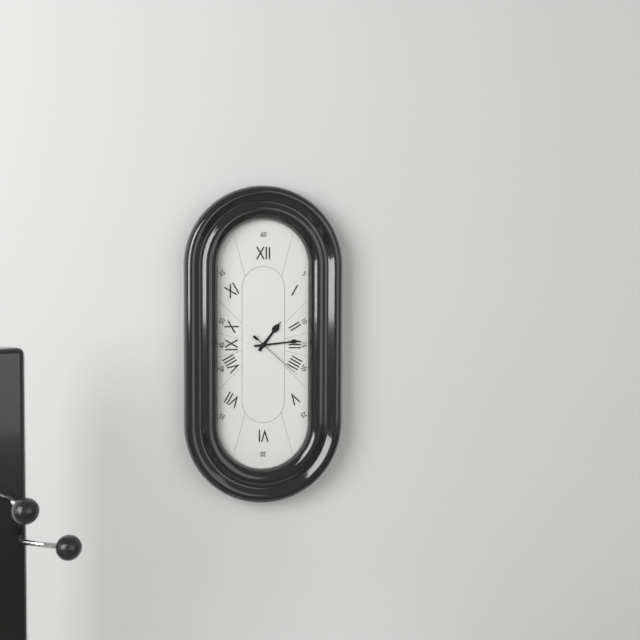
{"hour": 1, "minute": 14, "second": 22}
